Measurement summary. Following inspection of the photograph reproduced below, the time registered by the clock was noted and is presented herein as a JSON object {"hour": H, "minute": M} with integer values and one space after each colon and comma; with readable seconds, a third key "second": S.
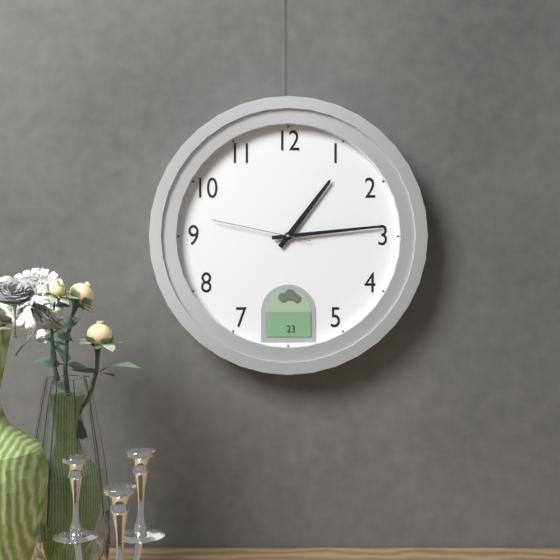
{"hour": 1, "minute": 14, "second": 47}
